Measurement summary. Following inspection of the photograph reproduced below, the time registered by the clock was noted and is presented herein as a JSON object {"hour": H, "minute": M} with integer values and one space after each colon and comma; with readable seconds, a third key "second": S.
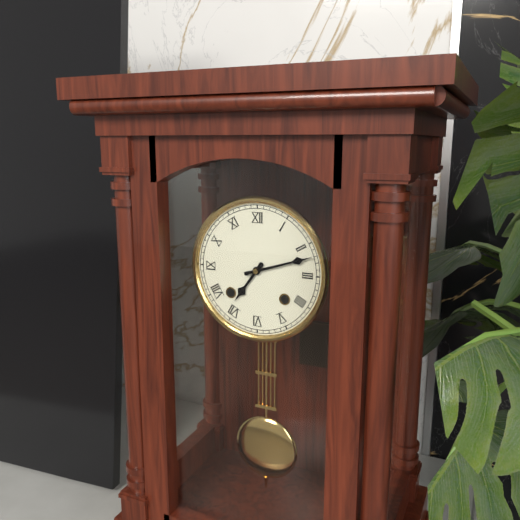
{"hour": 7, "minute": 12}
